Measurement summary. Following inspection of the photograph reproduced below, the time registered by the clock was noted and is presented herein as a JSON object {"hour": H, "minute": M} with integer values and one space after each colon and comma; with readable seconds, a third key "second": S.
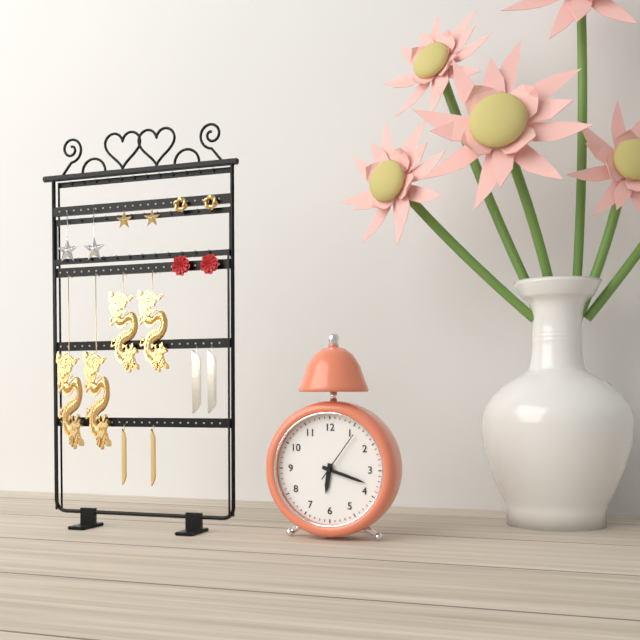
{"hour": 6, "minute": 18, "second": 6}
